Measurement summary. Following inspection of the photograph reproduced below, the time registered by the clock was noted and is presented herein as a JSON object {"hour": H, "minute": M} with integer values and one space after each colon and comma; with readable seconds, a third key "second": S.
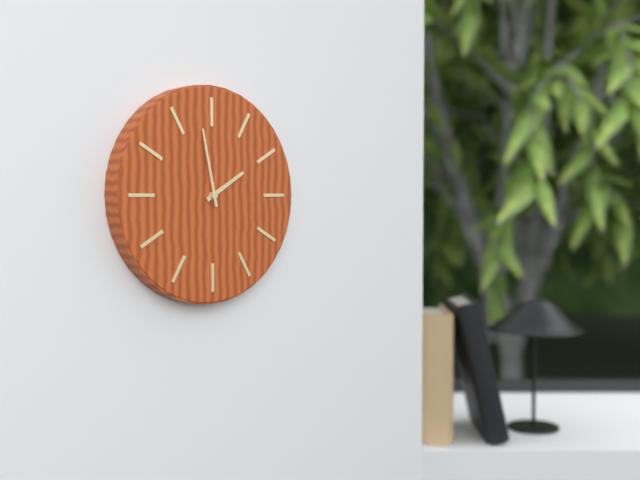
{"hour": 1, "minute": 58}
